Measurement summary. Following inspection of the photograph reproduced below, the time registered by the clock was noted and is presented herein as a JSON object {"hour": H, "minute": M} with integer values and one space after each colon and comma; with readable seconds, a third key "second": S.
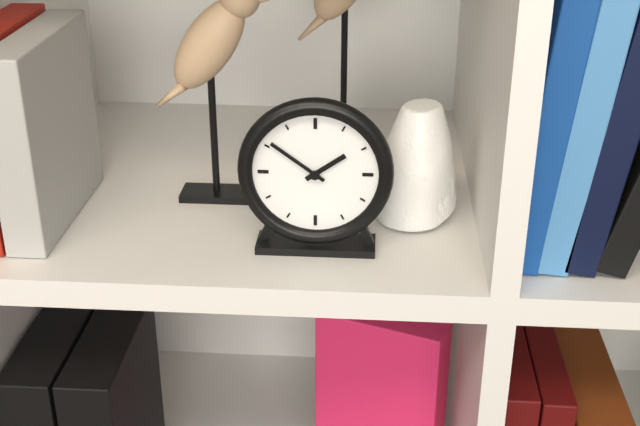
{"hour": 1, "minute": 51}
